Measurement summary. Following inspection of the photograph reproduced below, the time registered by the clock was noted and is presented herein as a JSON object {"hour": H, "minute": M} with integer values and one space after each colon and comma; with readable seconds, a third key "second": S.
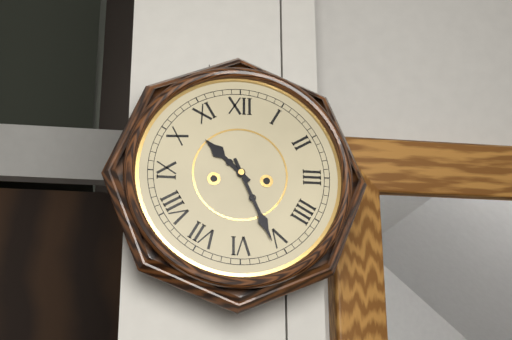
{"hour": 10, "minute": 26}
